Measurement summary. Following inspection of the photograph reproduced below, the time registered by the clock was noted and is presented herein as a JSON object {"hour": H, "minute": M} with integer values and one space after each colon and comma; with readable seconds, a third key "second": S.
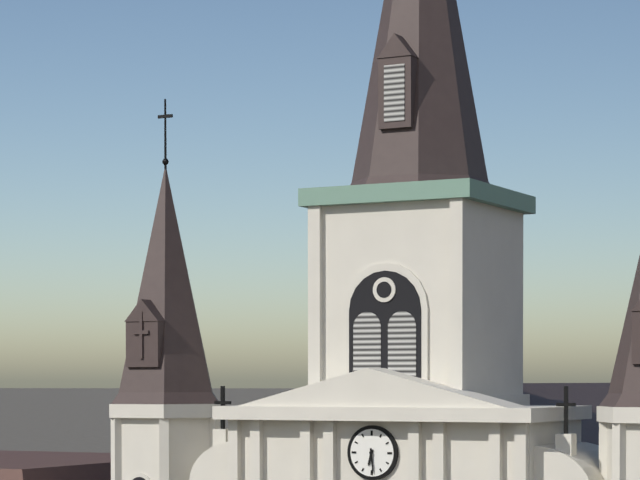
{"hour": 6, "minute": 29}
